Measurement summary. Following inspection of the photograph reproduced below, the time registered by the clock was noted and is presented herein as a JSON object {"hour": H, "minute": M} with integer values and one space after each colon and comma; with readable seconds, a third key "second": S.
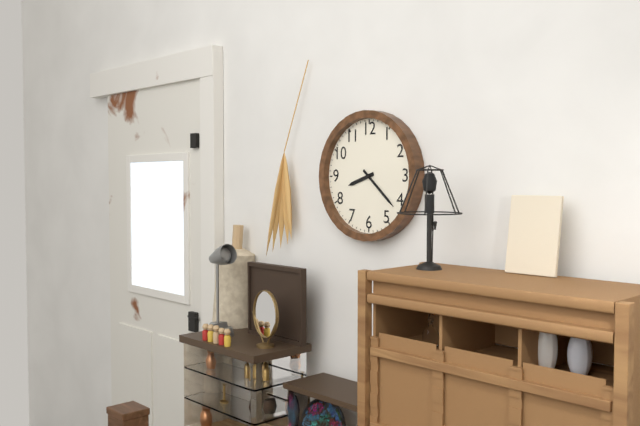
{"hour": 8, "minute": 22}
